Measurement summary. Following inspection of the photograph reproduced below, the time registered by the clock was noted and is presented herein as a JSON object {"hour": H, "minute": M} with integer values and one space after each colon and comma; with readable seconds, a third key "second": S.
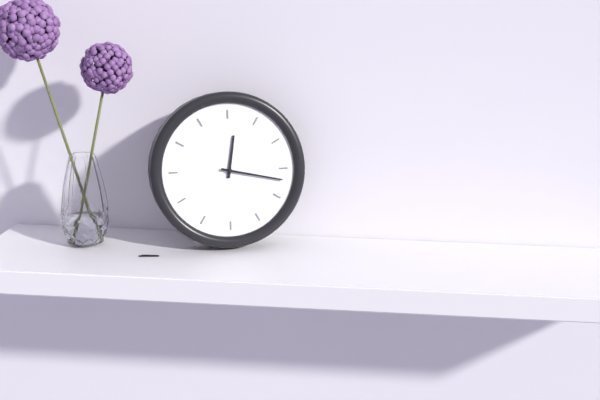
{"hour": 12, "minute": 17}
